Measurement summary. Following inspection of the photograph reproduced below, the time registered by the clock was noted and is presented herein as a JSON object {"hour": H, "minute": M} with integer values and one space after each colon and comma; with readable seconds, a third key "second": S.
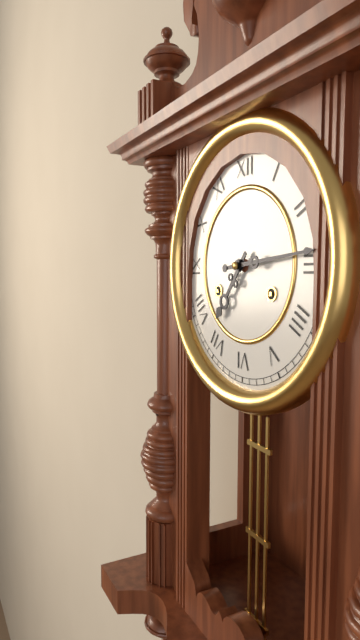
{"hour": 7, "minute": 14}
